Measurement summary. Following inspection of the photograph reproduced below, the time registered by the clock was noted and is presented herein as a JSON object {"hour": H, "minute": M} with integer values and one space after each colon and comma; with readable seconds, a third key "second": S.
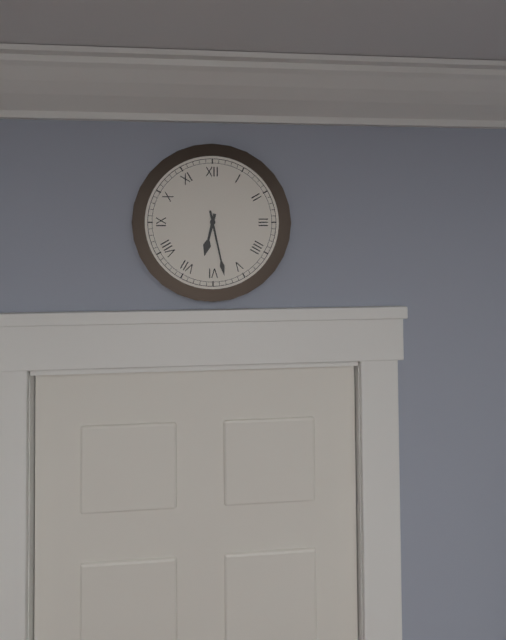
{"hour": 6, "minute": 28}
